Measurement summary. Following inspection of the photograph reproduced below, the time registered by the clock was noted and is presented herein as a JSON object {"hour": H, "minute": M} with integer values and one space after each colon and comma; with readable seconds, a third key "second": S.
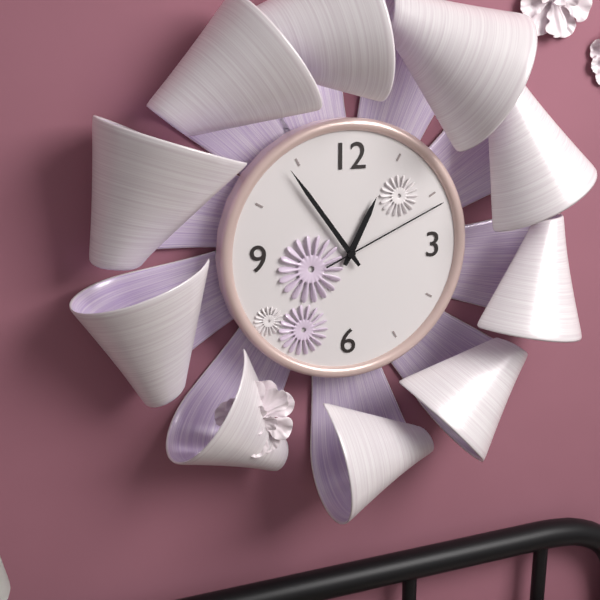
{"hour": 12, "minute": 54, "second": 11}
